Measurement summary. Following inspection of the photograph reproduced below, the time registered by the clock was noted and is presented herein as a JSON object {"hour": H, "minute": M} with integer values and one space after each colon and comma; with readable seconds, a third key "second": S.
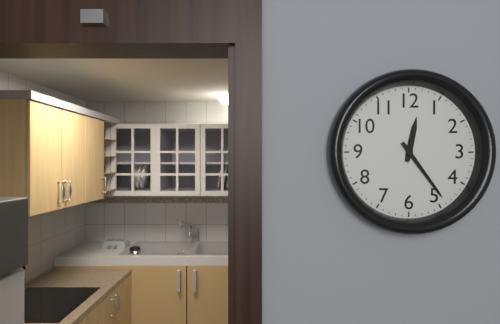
{"hour": 12, "minute": 24}
